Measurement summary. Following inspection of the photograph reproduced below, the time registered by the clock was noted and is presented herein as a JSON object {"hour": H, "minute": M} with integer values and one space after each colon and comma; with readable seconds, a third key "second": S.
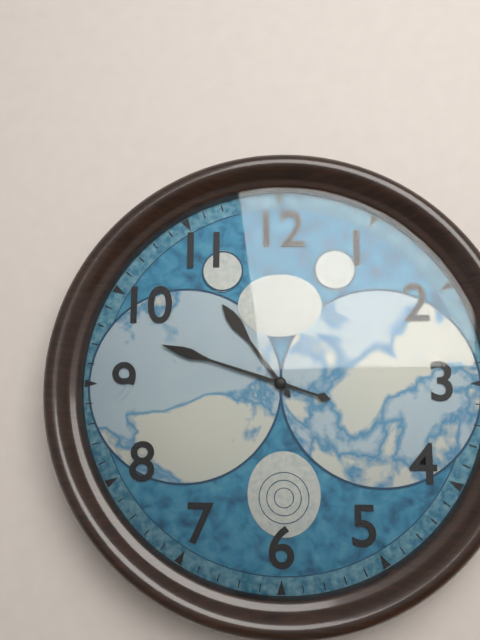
{"hour": 10, "minute": 48}
